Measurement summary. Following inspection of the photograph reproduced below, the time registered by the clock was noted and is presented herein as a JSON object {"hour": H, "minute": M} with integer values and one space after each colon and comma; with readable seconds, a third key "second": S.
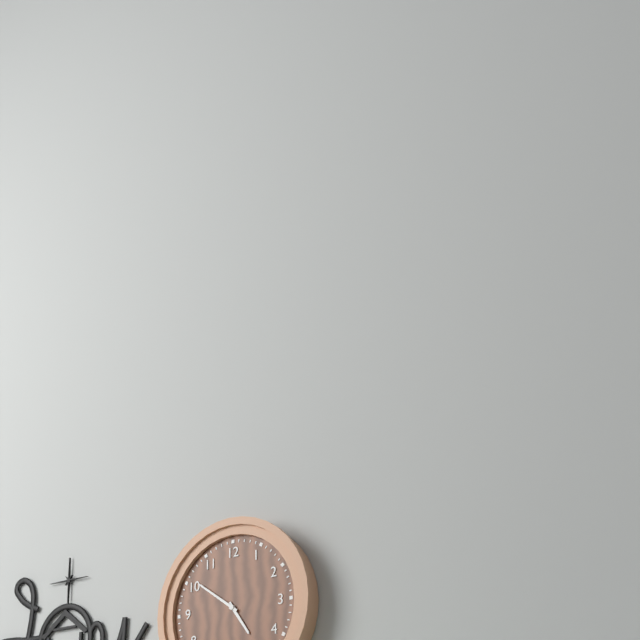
{"hour": 4, "minute": 51}
